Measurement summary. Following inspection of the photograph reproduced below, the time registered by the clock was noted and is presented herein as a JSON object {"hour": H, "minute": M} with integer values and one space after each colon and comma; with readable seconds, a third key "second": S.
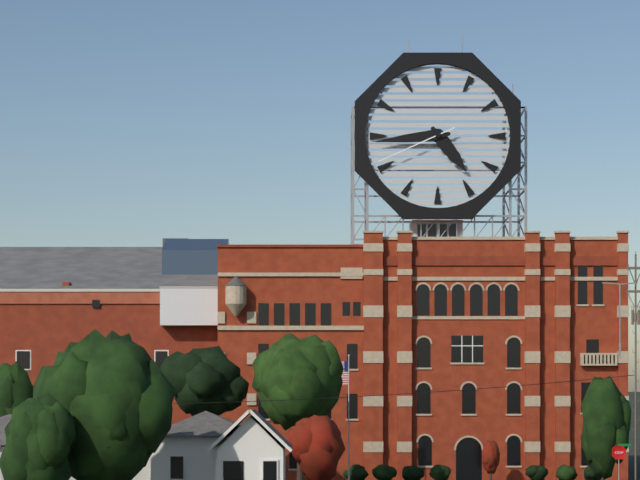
{"hour": 4, "minute": 44, "second": 41}
